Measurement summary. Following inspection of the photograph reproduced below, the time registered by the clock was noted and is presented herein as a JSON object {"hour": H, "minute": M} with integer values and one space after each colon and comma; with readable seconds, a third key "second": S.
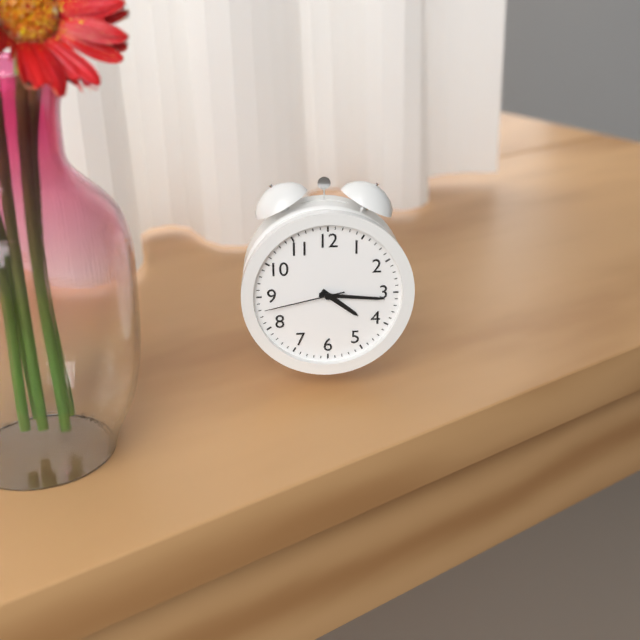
{"hour": 4, "minute": 16, "second": 43}
